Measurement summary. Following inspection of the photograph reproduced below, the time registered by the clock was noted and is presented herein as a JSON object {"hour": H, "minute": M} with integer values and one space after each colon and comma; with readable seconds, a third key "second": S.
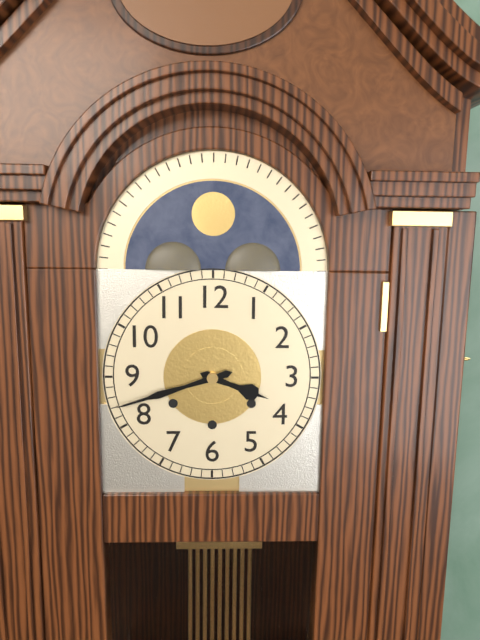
{"hour": 3, "minute": 42}
